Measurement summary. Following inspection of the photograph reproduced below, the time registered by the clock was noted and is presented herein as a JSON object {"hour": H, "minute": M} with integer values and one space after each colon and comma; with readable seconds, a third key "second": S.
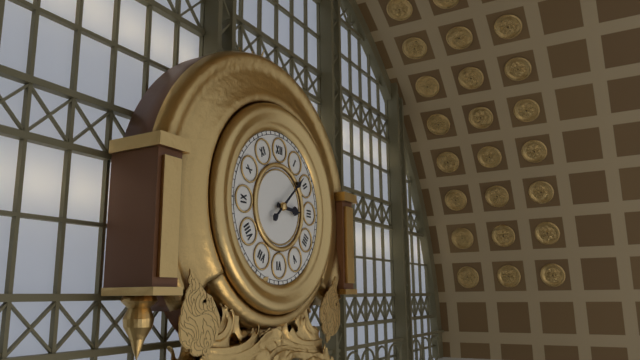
{"hour": 3, "minute": 8}
